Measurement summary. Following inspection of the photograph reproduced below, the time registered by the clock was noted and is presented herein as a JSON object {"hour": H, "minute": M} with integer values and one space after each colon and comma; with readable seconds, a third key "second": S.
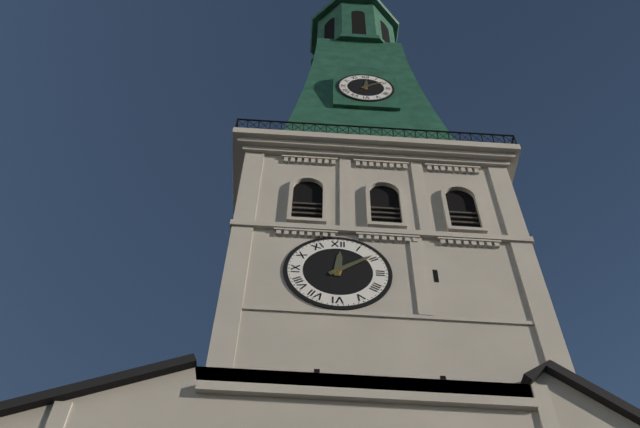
{"hour": 12, "minute": 9}
